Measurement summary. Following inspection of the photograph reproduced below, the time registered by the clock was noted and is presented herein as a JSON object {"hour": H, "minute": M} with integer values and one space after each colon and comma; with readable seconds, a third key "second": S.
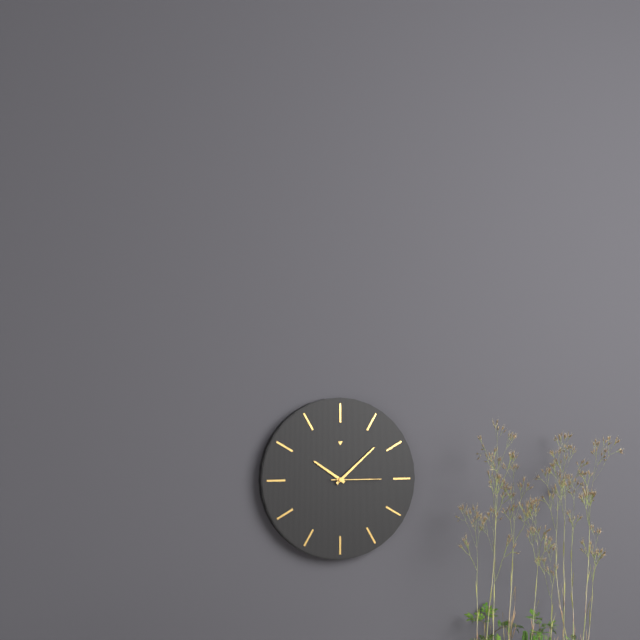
{"hour": 10, "minute": 8, "second": 15}
